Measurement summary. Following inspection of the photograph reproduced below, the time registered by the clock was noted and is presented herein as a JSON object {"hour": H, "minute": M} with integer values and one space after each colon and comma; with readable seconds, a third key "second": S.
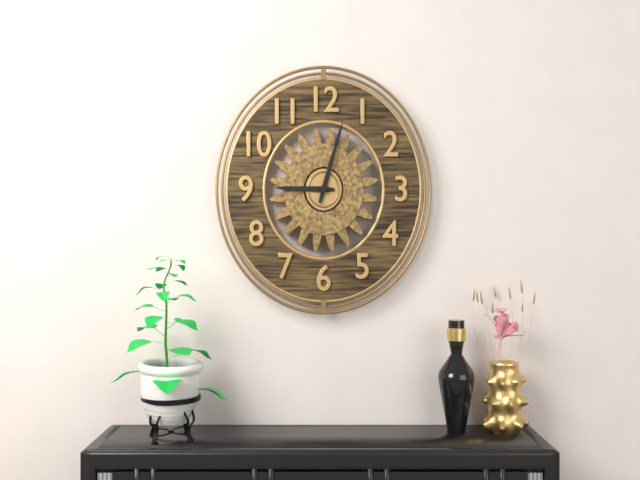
{"hour": 9, "minute": 3}
